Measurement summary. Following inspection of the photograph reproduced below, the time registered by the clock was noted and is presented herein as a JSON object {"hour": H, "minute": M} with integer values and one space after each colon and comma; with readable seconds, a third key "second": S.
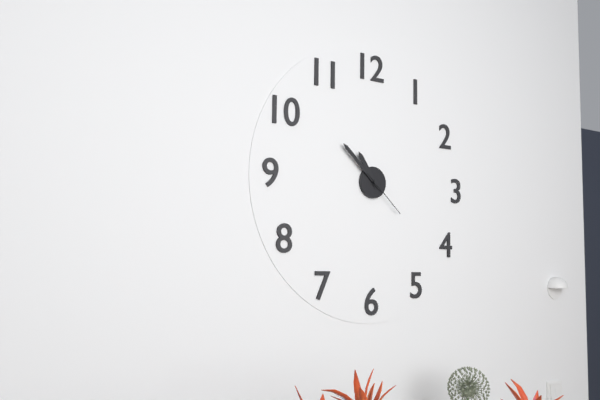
{"hour": 10, "minute": 52, "second": 22}
